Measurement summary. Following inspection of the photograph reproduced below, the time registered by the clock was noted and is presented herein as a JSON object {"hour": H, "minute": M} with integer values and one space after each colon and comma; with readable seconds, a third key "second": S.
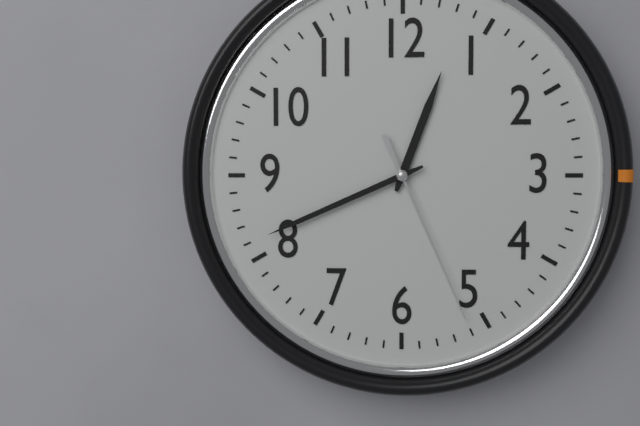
{"hour": 12, "minute": 41, "second": 26}
